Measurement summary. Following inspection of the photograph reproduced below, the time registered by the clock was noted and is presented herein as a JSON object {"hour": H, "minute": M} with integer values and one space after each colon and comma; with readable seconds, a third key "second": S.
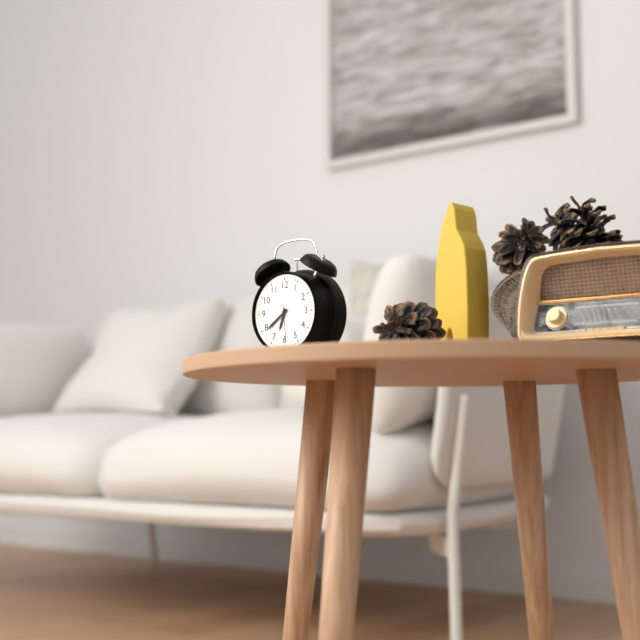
{"hour": 6, "minute": 39}
